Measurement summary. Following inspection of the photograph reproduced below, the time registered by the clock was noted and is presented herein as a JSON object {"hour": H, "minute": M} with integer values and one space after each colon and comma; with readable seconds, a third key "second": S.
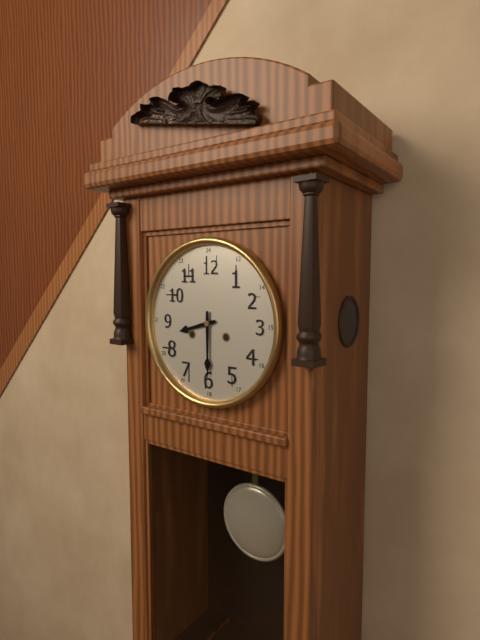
{"hour": 8, "minute": 30}
